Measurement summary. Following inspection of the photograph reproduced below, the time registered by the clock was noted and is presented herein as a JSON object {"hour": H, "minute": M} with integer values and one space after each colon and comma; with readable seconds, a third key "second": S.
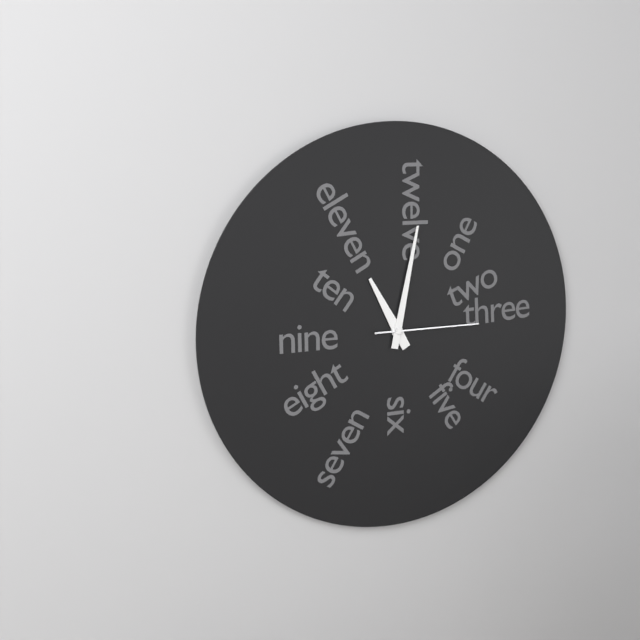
{"hour": 11, "minute": 2, "second": 15}
